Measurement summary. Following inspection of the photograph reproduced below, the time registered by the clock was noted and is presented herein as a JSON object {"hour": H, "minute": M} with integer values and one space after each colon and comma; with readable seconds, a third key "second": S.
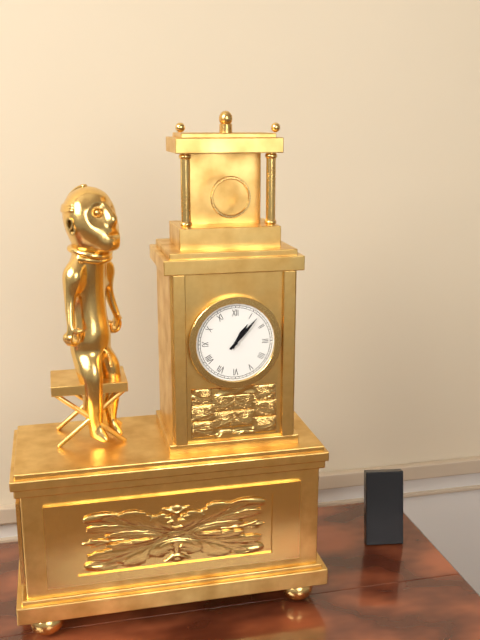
{"hour": 1, "minute": 7}
